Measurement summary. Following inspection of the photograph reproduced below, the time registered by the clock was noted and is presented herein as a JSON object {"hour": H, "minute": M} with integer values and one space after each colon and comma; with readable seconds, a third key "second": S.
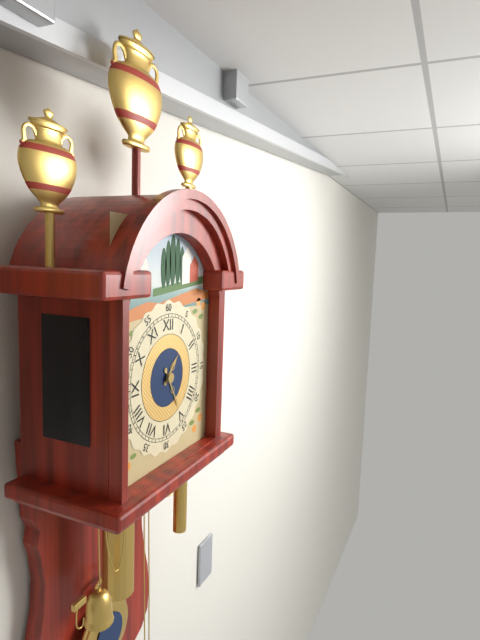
{"hour": 1, "minute": 25}
